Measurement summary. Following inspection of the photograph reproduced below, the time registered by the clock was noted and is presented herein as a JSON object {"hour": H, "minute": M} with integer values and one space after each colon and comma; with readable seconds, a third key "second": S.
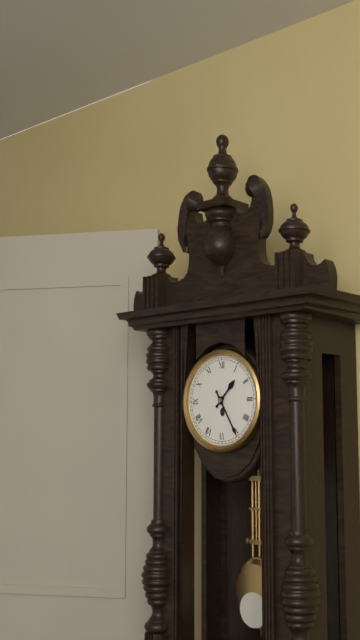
{"hour": 1, "minute": 25}
